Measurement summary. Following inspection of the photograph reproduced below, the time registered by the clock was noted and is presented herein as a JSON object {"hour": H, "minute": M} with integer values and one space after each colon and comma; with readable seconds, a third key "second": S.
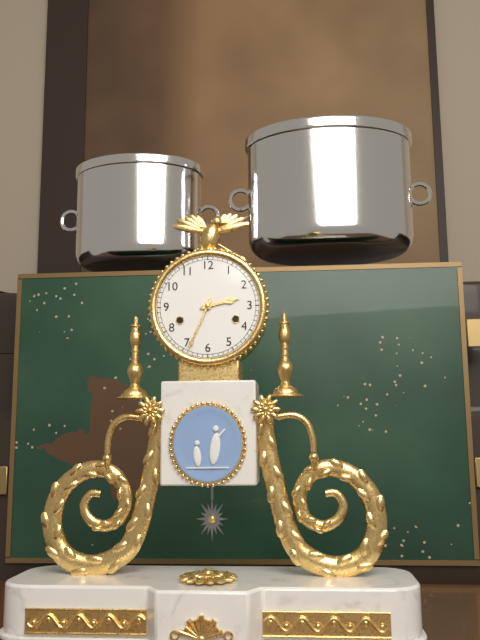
{"hour": 2, "minute": 34}
